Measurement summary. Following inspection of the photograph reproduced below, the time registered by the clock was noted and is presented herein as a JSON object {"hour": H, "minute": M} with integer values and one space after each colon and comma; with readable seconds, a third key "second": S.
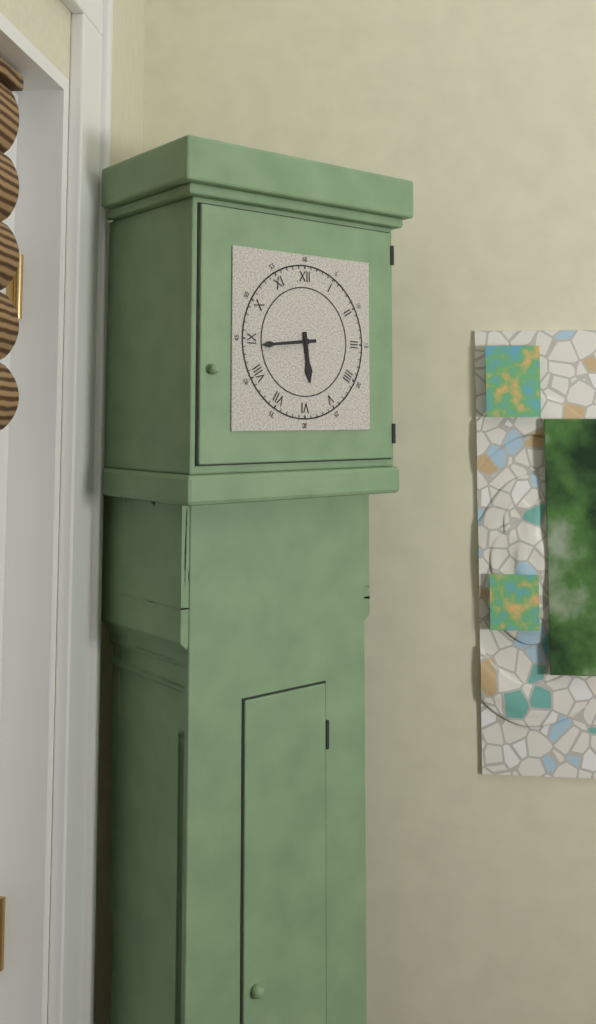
{"hour": 5, "minute": 44}
